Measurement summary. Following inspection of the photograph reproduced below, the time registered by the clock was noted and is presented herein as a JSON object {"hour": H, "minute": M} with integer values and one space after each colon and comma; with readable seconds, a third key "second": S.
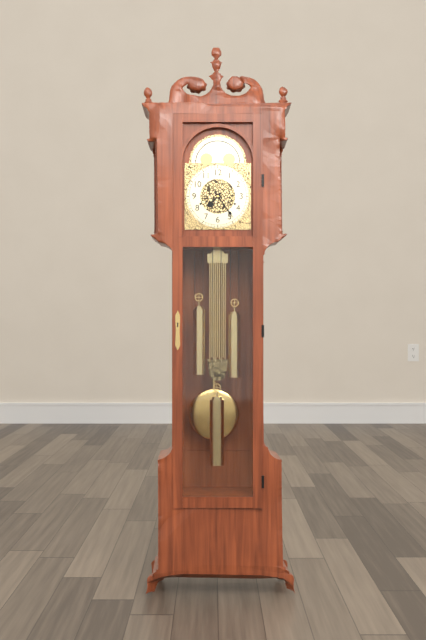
{"hour": 7, "minute": 24}
